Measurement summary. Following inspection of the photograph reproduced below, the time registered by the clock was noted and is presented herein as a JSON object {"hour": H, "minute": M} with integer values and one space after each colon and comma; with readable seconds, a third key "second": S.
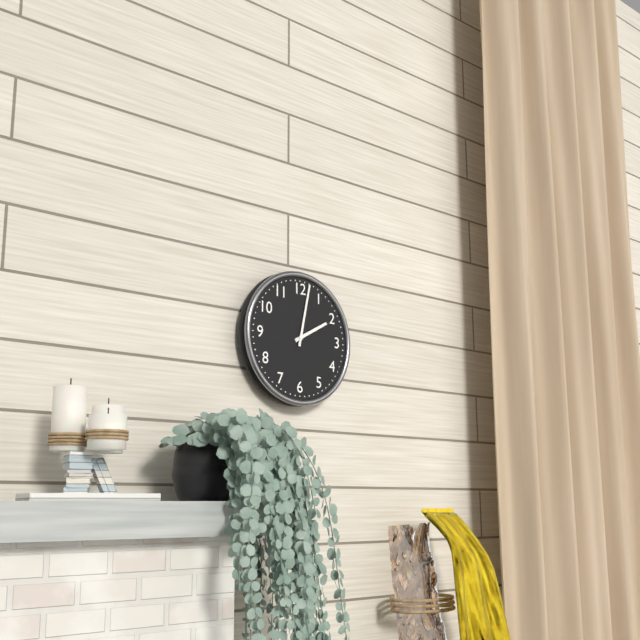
{"hour": 2, "minute": 2}
